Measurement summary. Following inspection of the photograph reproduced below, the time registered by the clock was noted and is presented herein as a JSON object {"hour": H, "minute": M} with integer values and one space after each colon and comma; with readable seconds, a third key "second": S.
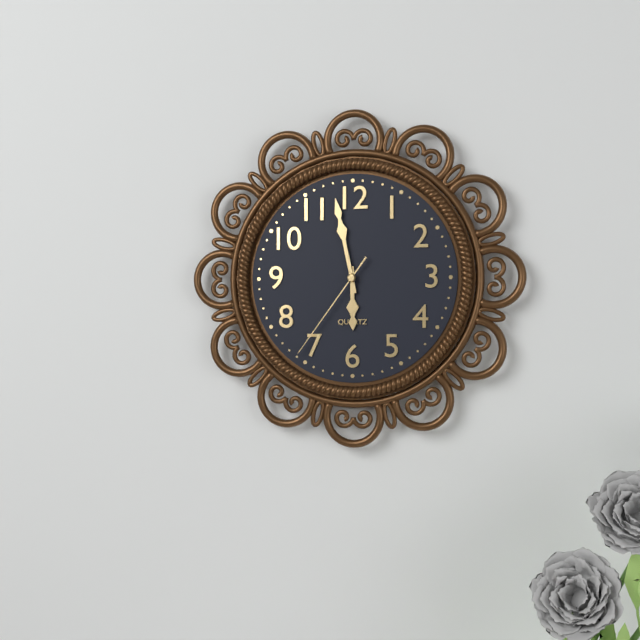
{"hour": 5, "minute": 58, "second": 36}
